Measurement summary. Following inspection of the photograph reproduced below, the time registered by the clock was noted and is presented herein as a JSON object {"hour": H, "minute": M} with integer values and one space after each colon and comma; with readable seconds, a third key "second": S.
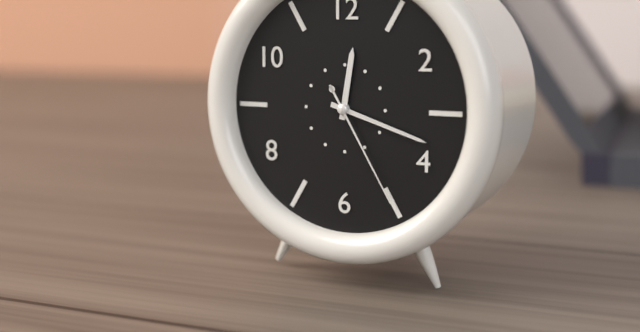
{"hour": 12, "minute": 18, "second": 25}
